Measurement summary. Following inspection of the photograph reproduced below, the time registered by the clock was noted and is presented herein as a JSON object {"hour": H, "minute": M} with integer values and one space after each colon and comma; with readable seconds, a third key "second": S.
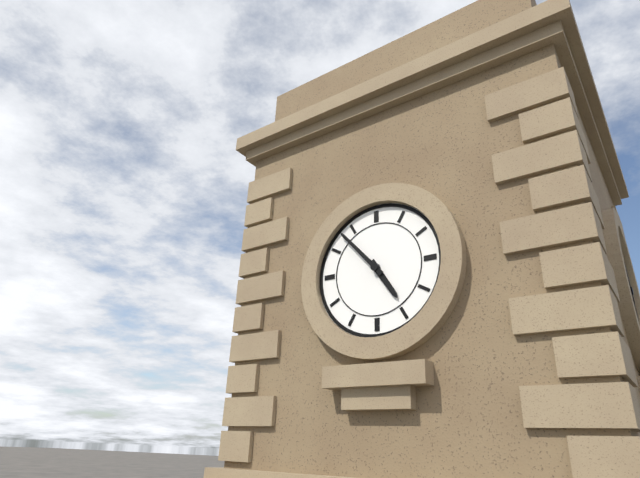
{"hour": 4, "minute": 53}
